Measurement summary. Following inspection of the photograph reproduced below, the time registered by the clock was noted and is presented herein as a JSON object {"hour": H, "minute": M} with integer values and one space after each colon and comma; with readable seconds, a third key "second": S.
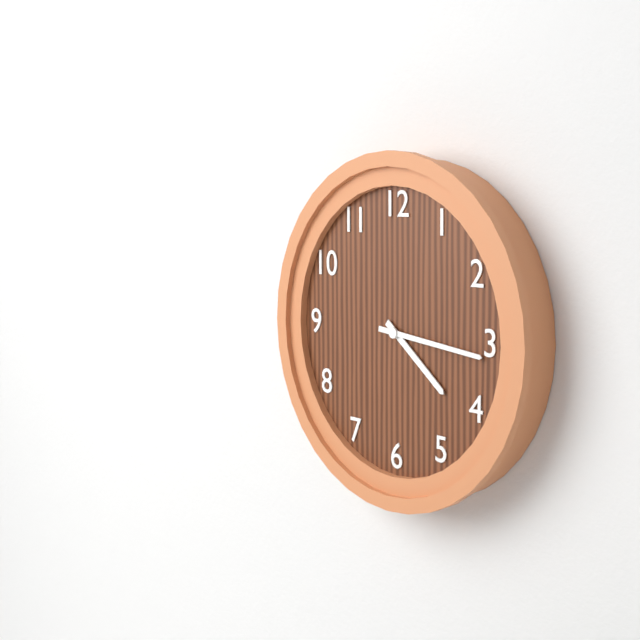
{"hour": 4, "minute": 16}
